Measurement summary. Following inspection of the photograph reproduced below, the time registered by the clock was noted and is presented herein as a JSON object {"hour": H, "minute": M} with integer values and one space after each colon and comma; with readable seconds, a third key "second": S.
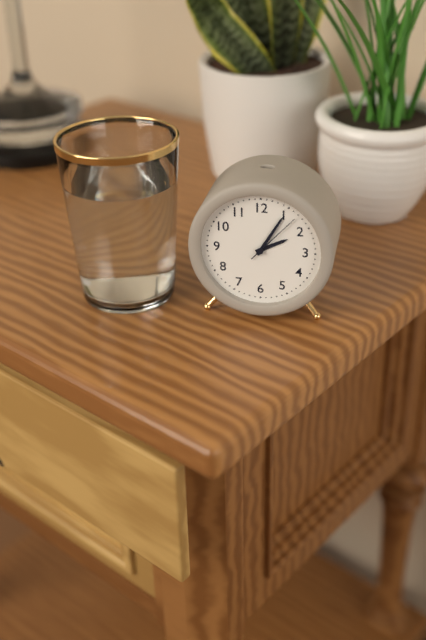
{"hour": 2, "minute": 5, "second": 7}
